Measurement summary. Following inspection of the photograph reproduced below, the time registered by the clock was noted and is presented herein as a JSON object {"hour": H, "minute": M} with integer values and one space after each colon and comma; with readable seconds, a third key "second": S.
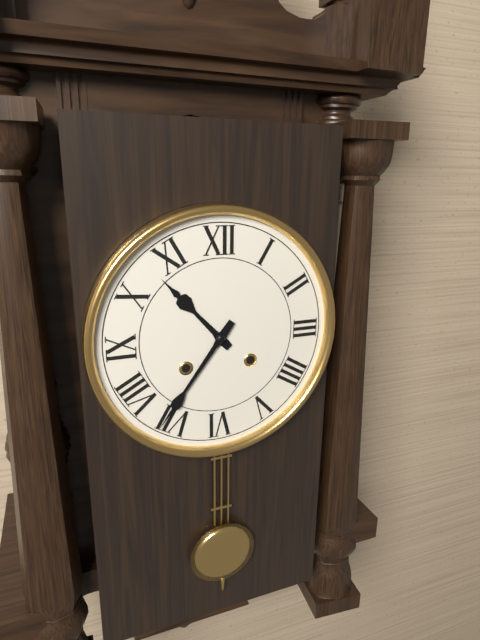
{"hour": 10, "minute": 36}
